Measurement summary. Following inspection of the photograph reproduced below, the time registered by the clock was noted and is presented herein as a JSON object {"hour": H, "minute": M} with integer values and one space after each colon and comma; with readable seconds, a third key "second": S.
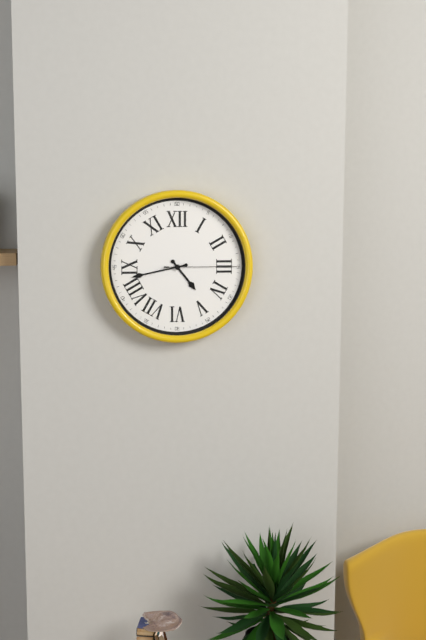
{"hour": 4, "minute": 43, "second": 15}
